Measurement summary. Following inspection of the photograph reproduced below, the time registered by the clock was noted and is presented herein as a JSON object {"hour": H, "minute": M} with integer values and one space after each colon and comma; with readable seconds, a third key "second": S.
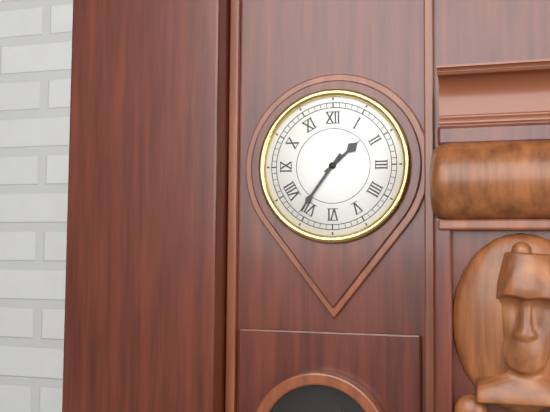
{"hour": 1, "minute": 36}
